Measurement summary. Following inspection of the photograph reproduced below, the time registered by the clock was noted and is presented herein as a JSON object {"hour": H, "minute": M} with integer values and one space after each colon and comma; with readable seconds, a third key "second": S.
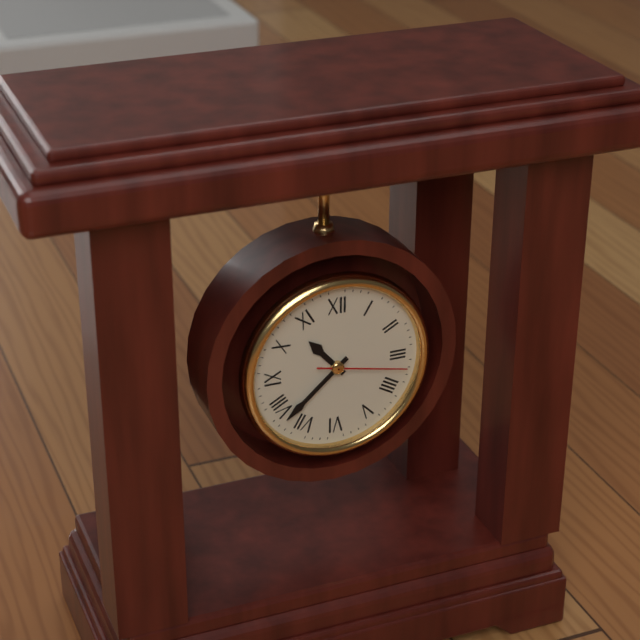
{"hour": 10, "minute": 38, "second": 17}
